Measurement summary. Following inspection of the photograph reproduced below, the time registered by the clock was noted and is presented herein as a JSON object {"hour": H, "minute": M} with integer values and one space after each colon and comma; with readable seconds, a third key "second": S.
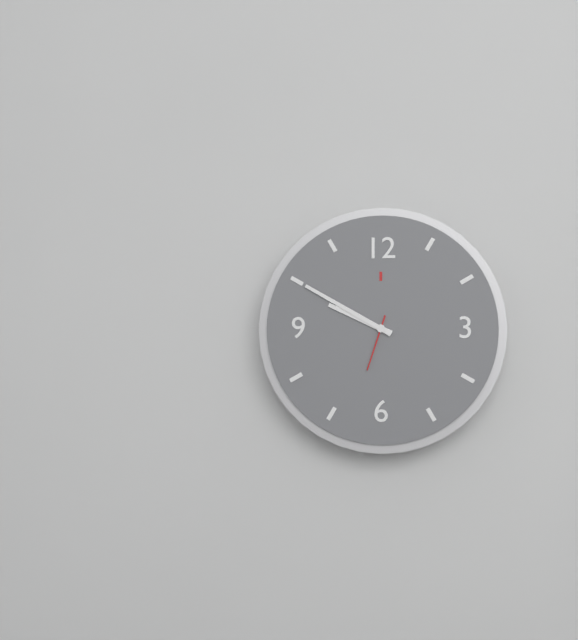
{"hour": 9, "minute": 50, "second": 33}
